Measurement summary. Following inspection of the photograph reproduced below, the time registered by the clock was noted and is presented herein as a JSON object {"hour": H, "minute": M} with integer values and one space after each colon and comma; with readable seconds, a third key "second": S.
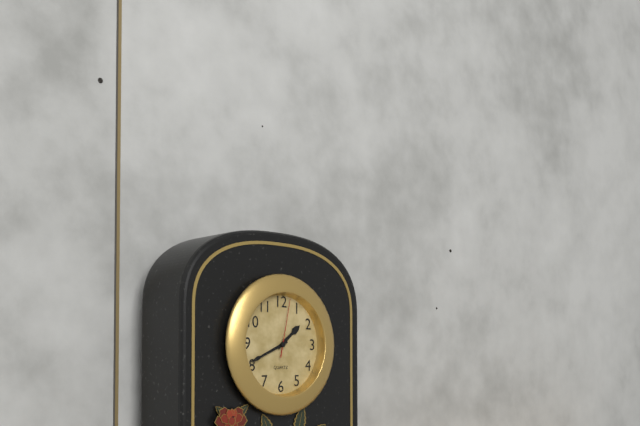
{"hour": 1, "minute": 41, "second": 2}
